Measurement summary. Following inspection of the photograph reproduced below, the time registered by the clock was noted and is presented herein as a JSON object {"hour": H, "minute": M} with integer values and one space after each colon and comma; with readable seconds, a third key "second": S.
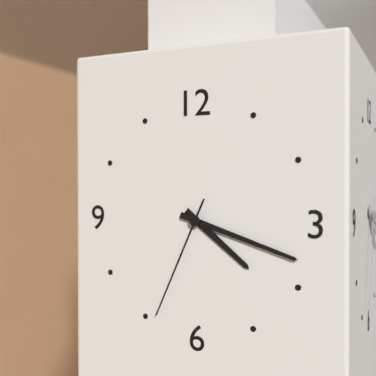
{"hour": 4, "minute": 18, "second": 34}
